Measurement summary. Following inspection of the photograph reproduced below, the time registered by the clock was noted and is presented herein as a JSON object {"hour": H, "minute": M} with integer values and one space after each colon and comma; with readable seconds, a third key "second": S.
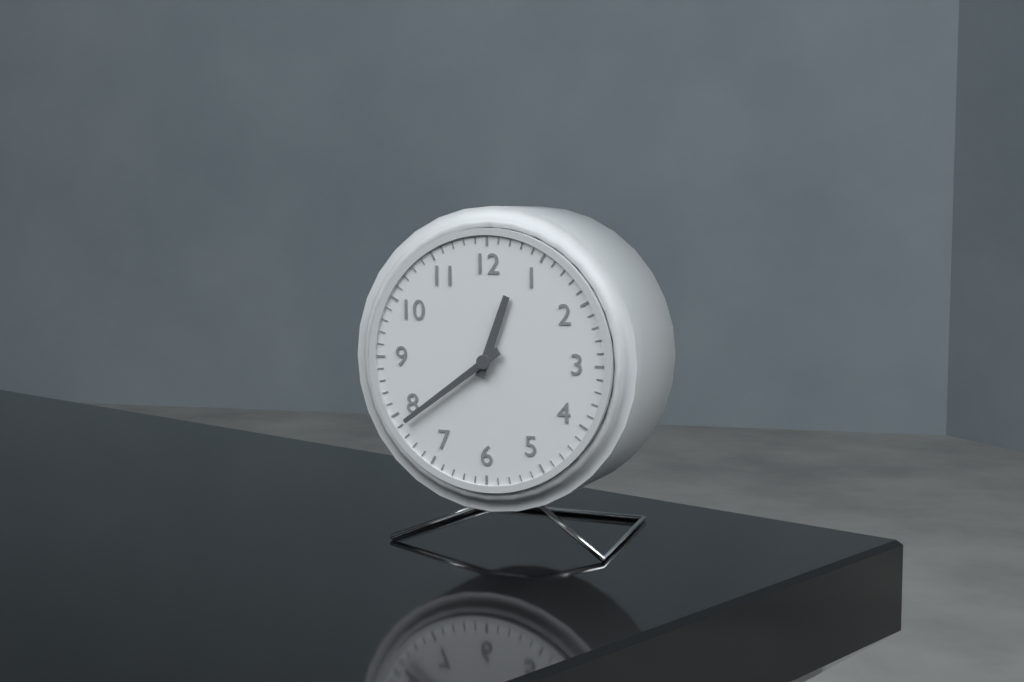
{"hour": 12, "minute": 39}
